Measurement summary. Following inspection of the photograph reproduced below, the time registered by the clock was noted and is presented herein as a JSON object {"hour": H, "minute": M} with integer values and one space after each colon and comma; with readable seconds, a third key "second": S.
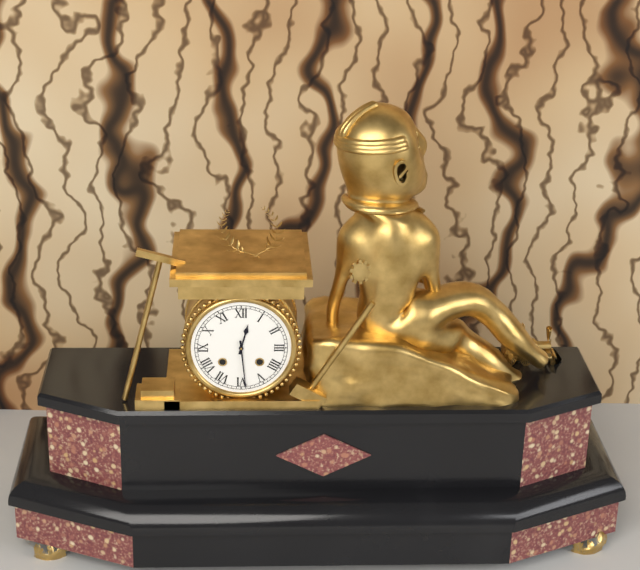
{"hour": 12, "minute": 29}
